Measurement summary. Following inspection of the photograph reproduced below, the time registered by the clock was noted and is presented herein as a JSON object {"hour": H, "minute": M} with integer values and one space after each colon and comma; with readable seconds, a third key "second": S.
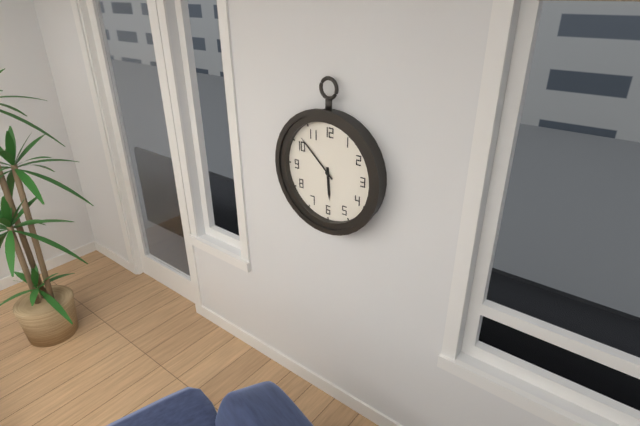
{"hour": 5, "minute": 52}
